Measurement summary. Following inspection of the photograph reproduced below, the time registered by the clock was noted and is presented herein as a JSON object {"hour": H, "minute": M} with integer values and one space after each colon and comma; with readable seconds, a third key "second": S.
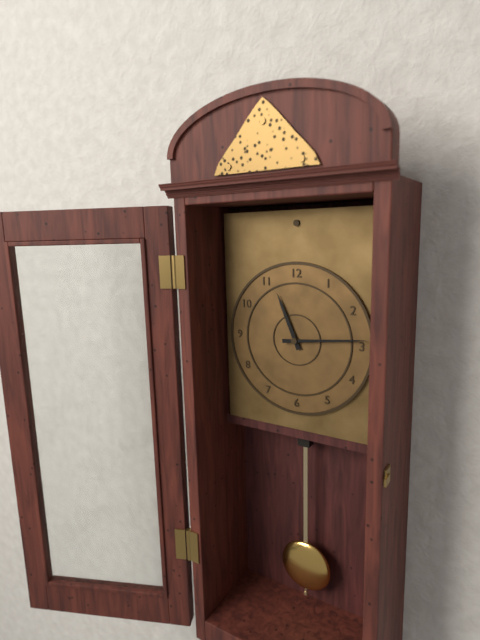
{"hour": 11, "minute": 14}
